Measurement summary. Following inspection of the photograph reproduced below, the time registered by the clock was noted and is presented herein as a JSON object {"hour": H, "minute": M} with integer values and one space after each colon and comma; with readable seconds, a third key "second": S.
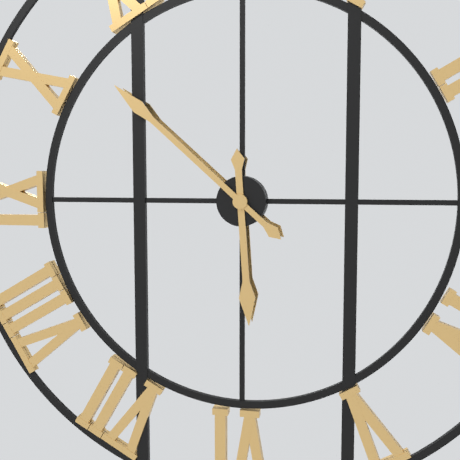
{"hour": 5, "minute": 52}
